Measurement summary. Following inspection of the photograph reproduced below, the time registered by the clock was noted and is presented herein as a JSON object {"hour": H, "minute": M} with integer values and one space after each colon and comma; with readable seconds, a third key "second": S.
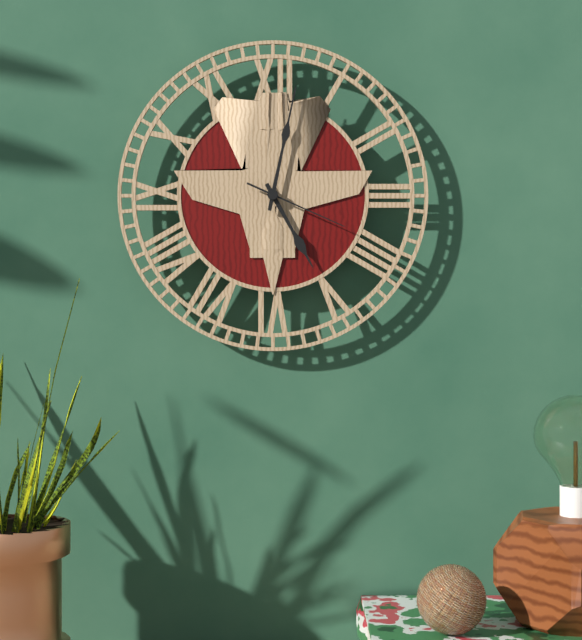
{"hour": 5, "minute": 2, "second": 19}
